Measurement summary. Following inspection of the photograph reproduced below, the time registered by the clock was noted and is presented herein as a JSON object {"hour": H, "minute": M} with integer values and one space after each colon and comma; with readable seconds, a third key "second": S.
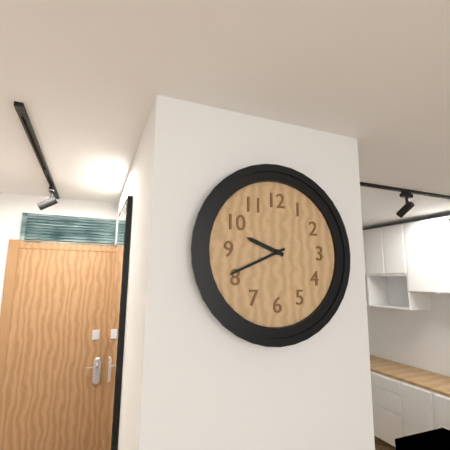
{"hour": 9, "minute": 41}
